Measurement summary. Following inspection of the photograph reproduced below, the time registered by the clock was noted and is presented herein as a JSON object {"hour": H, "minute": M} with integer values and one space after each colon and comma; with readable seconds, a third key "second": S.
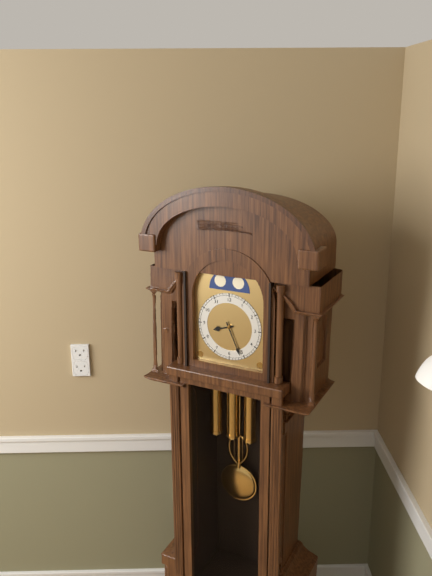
{"hour": 8, "minute": 26}
